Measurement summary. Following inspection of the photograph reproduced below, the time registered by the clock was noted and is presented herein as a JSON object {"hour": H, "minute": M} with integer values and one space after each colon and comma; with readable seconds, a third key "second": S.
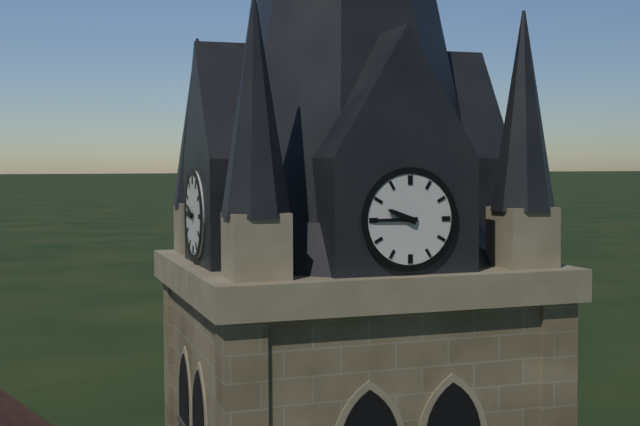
{"hour": 9, "minute": 45}
